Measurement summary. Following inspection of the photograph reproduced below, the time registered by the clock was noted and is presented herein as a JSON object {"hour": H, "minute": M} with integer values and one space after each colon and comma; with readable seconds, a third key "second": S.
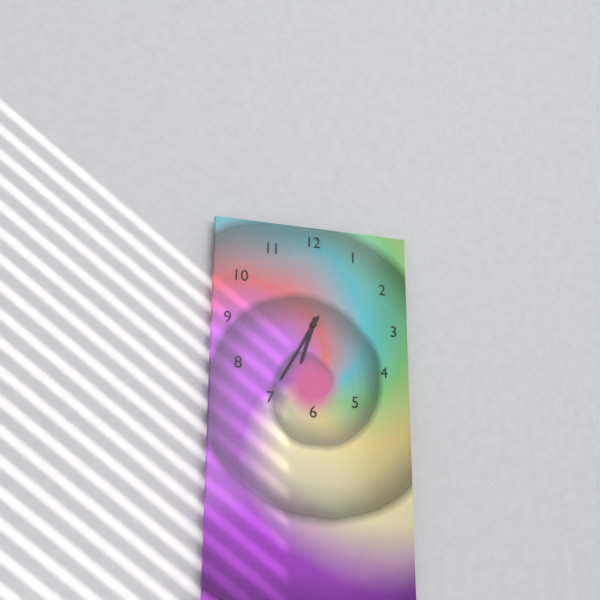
{"hour": 6, "minute": 35}
